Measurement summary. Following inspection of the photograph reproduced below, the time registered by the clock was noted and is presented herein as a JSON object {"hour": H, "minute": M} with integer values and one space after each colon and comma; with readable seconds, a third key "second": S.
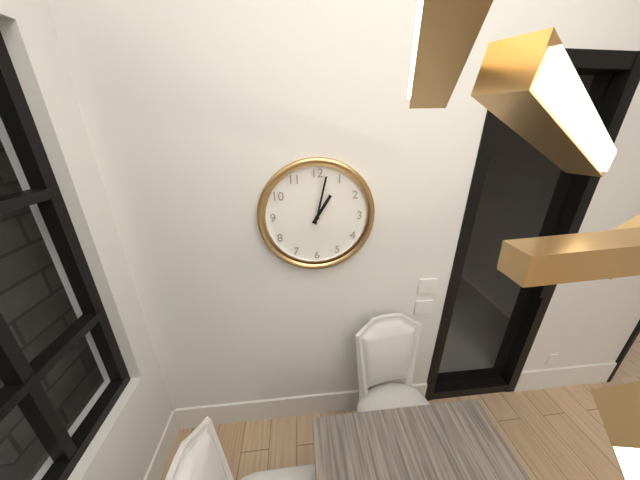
{"hour": 1, "minute": 2}
